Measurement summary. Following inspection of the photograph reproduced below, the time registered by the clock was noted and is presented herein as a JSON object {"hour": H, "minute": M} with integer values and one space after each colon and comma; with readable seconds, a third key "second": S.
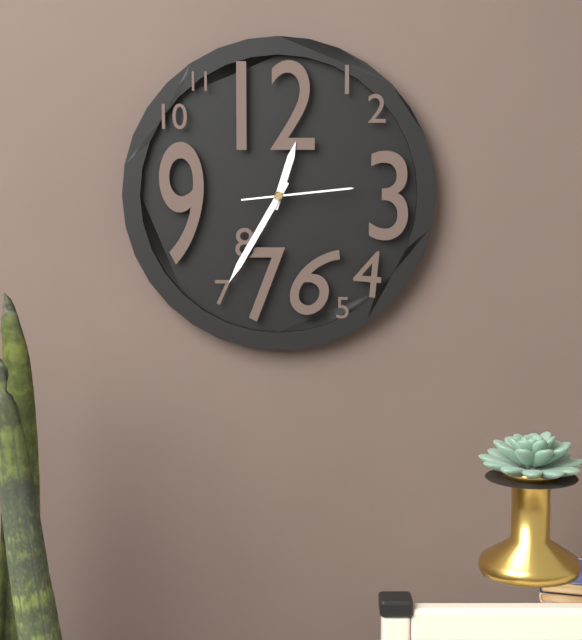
{"hour": 12, "minute": 35, "second": 14}
